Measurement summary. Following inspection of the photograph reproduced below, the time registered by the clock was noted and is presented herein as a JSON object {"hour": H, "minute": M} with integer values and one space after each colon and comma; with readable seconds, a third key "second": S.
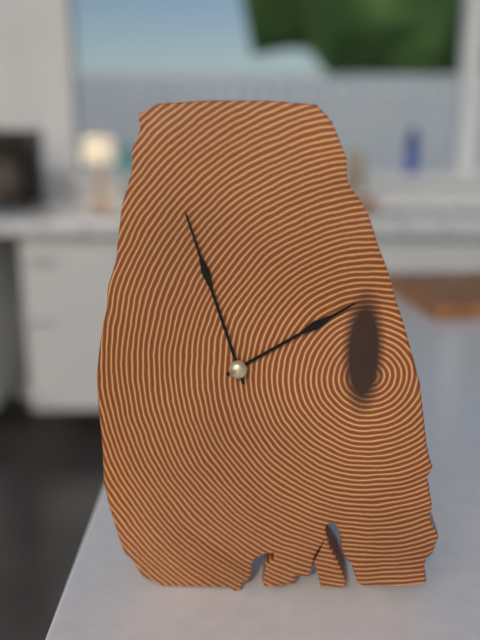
{"hour": 1, "minute": 57}
